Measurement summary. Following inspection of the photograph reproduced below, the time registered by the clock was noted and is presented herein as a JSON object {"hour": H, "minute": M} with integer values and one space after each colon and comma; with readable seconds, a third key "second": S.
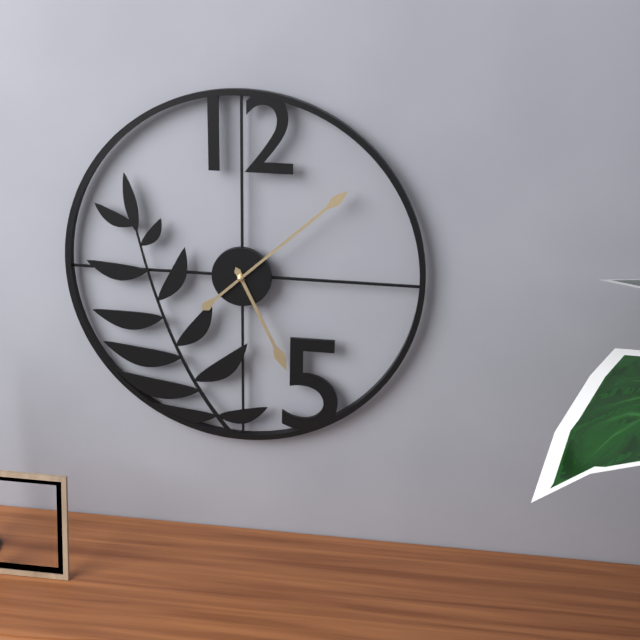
{"hour": 5, "minute": 8}
